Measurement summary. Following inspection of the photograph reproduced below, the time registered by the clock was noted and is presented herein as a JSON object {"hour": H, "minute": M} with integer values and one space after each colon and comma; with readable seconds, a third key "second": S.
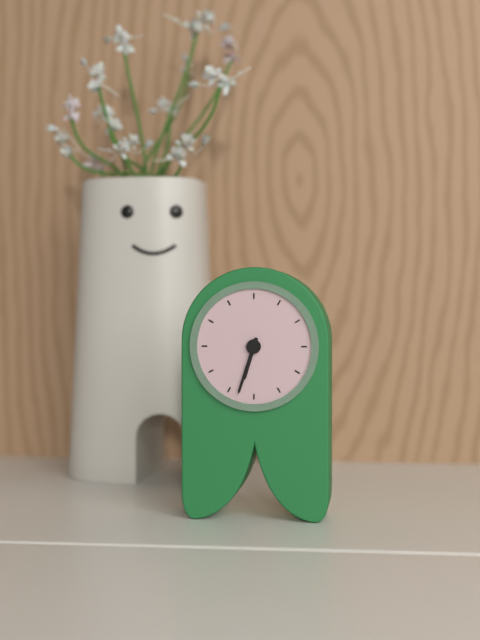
{"hour": 6, "minute": 33}
